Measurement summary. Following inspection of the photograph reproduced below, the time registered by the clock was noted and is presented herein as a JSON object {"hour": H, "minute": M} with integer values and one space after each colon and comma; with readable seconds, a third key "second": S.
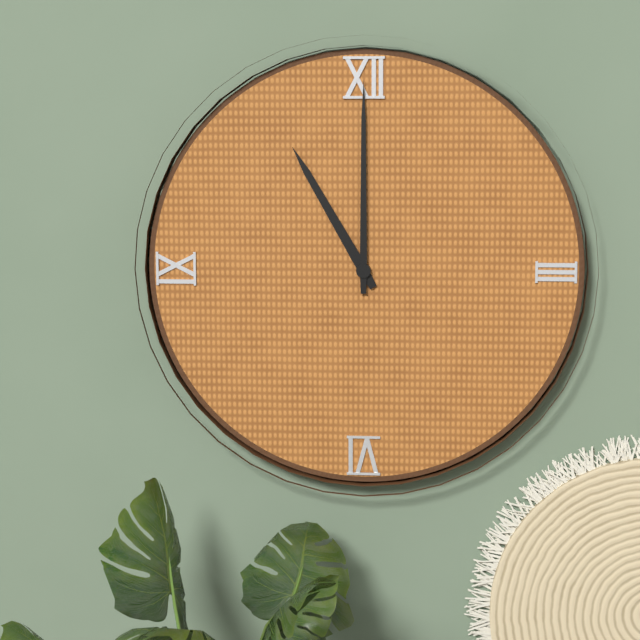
{"hour": 11, "minute": 0}
